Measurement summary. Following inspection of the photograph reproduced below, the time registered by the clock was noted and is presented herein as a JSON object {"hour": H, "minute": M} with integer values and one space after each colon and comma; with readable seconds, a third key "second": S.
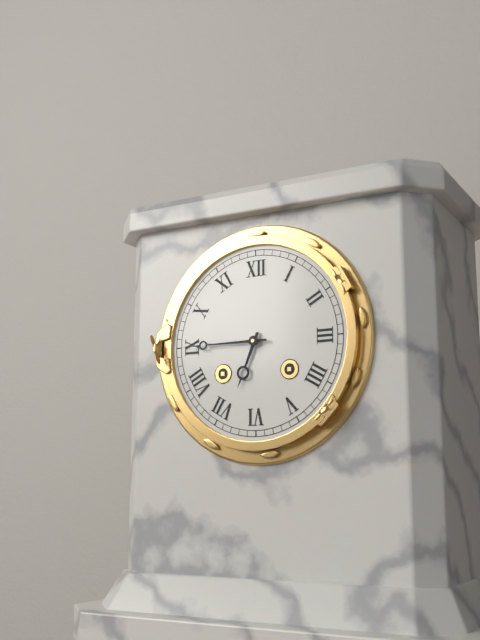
{"hour": 6, "minute": 45}
